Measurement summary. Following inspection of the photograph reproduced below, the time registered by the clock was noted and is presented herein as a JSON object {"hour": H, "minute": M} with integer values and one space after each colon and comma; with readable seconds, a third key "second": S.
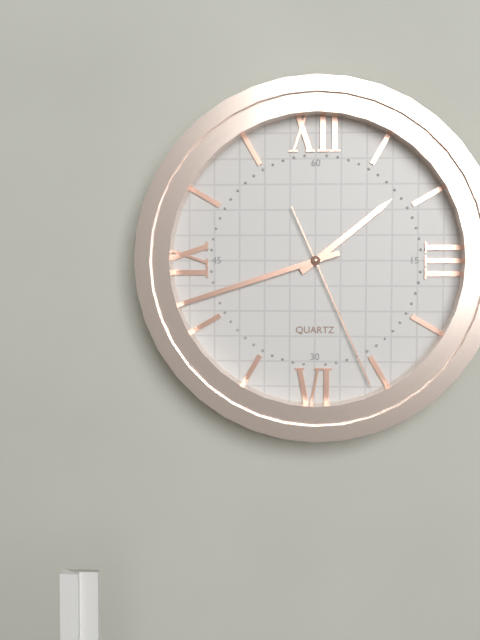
{"hour": 1, "minute": 42, "second": 26}
